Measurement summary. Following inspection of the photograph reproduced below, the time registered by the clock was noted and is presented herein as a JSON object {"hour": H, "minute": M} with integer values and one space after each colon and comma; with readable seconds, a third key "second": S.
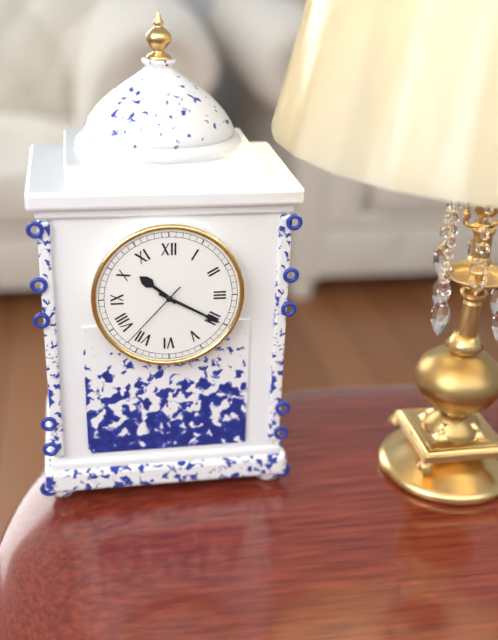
{"hour": 10, "minute": 20, "second": 37}
